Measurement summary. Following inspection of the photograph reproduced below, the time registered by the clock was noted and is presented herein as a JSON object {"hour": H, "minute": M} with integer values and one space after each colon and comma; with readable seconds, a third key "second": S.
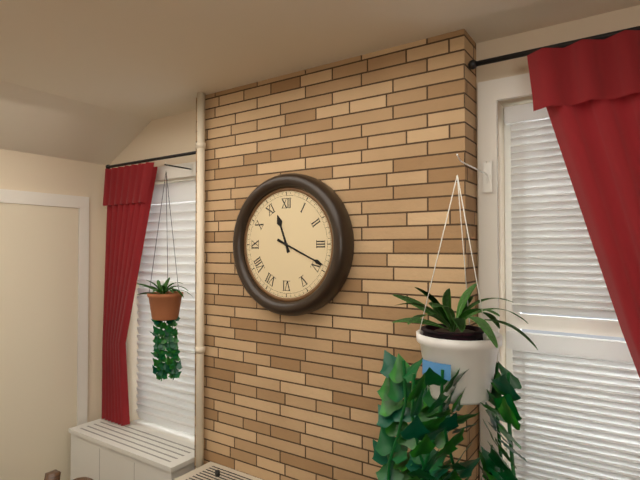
{"hour": 11, "minute": 19}
